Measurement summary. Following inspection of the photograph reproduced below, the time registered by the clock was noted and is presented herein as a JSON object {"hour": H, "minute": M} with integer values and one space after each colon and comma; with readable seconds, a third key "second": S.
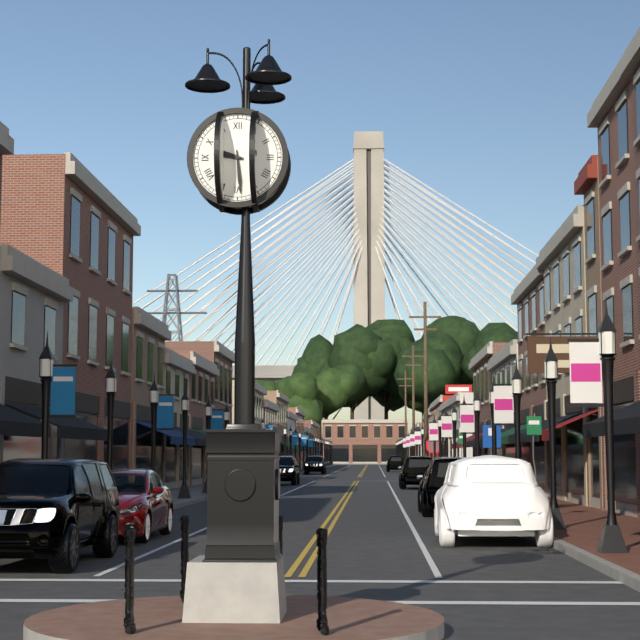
{"hour": 9, "minute": 29}
